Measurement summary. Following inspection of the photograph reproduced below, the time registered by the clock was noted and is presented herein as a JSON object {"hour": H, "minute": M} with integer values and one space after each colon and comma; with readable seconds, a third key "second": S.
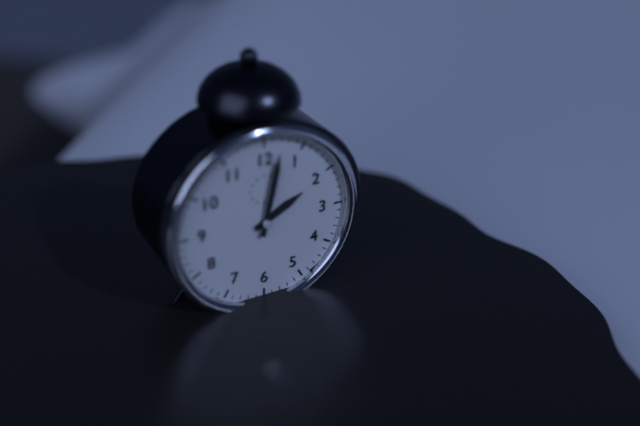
{"hour": 2, "minute": 2}
